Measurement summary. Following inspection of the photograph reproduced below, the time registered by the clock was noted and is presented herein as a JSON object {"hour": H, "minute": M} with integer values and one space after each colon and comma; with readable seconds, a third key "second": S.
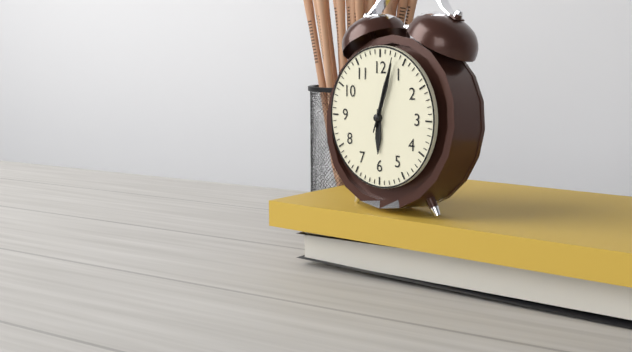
{"hour": 6, "minute": 3, "second": 3}
